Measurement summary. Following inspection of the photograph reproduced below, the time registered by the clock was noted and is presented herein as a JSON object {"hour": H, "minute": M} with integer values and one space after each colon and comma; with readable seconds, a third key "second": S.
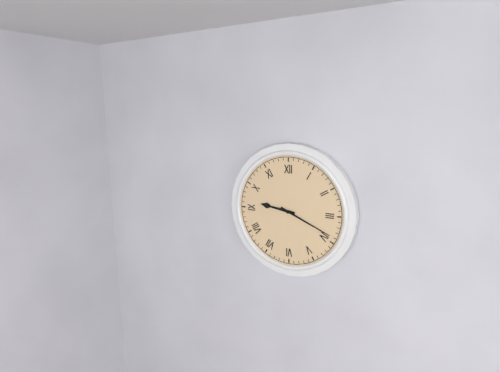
{"hour": 9, "minute": 19}
